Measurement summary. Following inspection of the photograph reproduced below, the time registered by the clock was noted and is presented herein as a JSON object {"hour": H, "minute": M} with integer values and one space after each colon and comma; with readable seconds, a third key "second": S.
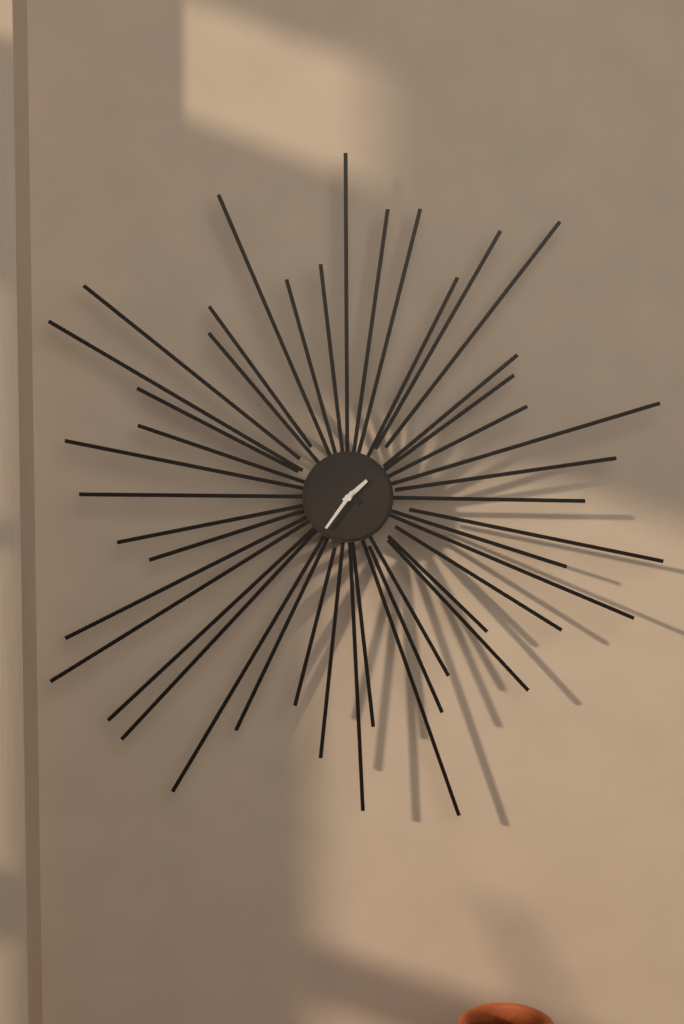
{"hour": 1, "minute": 36}
